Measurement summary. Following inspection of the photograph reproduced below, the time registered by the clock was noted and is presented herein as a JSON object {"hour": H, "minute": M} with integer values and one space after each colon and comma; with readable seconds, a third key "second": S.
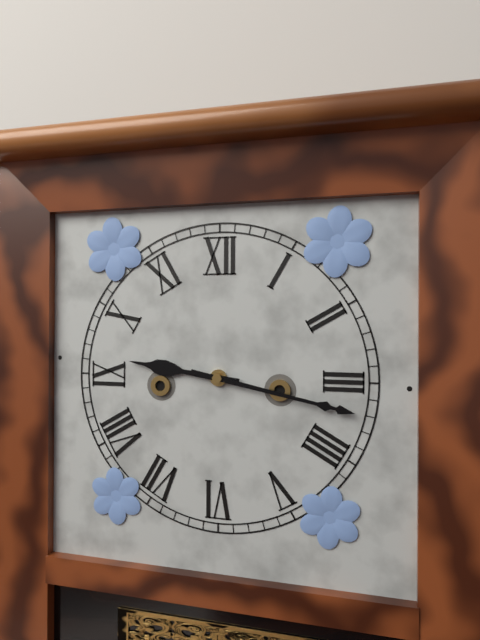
{"hour": 9, "minute": 17}
